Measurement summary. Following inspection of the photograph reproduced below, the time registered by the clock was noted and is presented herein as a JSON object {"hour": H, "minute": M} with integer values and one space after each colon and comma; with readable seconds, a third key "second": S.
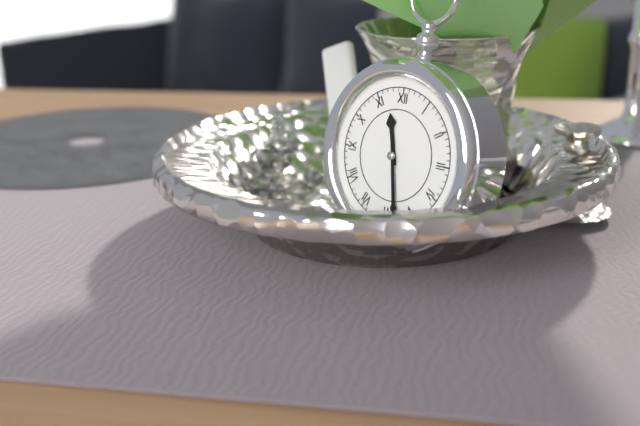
{"hour": 11, "minute": 28}
